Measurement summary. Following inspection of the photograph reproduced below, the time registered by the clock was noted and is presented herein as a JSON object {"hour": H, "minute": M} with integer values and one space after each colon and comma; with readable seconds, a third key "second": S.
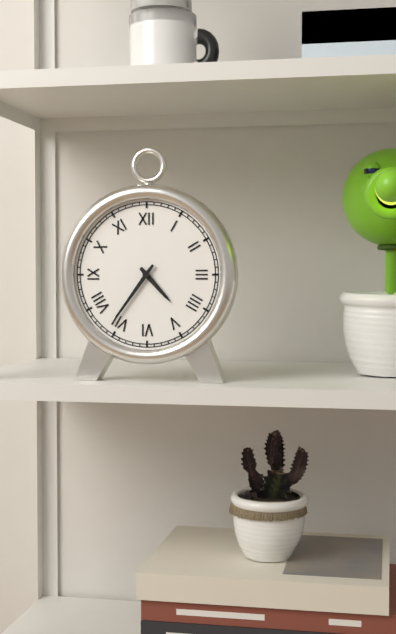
{"hour": 4, "minute": 36}
